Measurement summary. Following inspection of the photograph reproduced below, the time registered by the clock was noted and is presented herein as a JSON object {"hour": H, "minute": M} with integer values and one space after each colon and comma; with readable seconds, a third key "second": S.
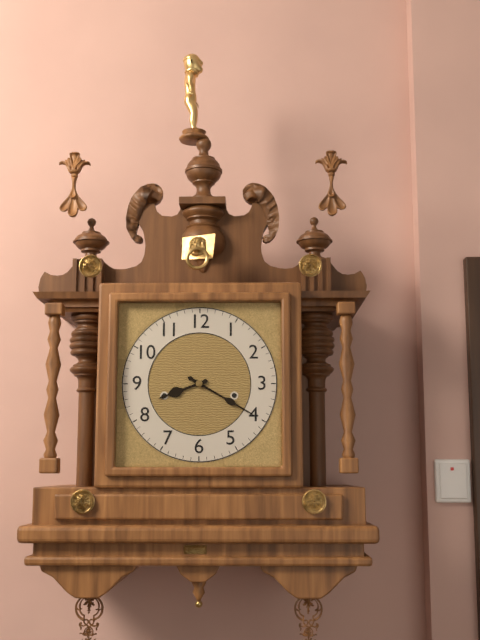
{"hour": 8, "minute": 20}
